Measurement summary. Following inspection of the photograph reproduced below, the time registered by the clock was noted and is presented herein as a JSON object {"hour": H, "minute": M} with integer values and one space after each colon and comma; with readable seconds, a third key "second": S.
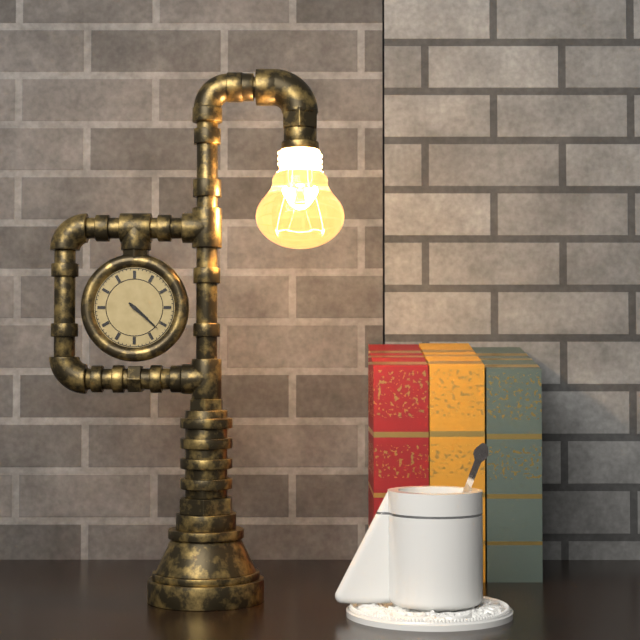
{"hour": 4, "minute": 22}
